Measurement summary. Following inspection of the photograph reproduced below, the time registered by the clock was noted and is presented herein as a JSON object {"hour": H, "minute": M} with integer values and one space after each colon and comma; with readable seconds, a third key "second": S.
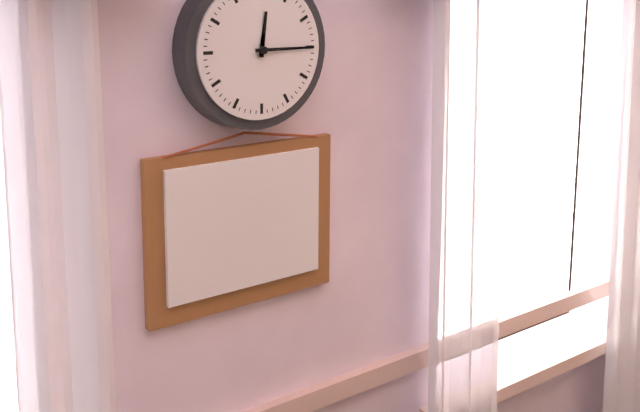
{"hour": 12, "minute": 15}
